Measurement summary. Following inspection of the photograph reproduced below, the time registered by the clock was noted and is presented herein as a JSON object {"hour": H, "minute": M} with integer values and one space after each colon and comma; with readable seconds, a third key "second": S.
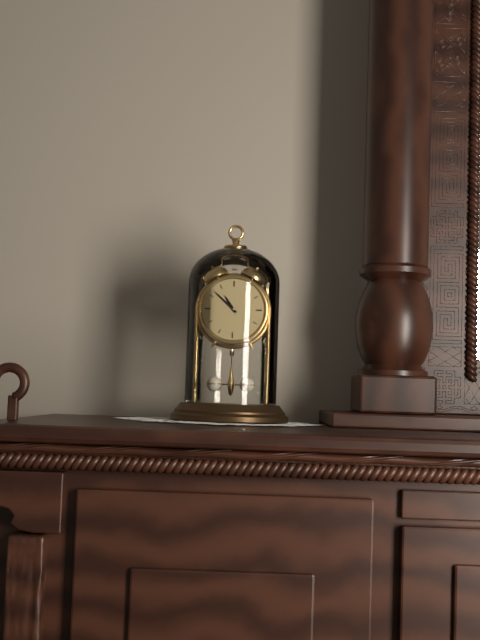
{"hour": 10, "minute": 52}
